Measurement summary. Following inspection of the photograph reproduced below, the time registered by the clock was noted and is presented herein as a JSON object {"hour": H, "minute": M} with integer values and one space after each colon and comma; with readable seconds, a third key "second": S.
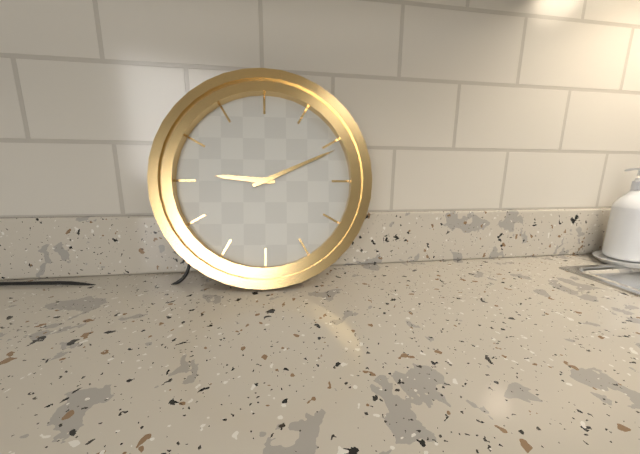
{"hour": 9, "minute": 11}
